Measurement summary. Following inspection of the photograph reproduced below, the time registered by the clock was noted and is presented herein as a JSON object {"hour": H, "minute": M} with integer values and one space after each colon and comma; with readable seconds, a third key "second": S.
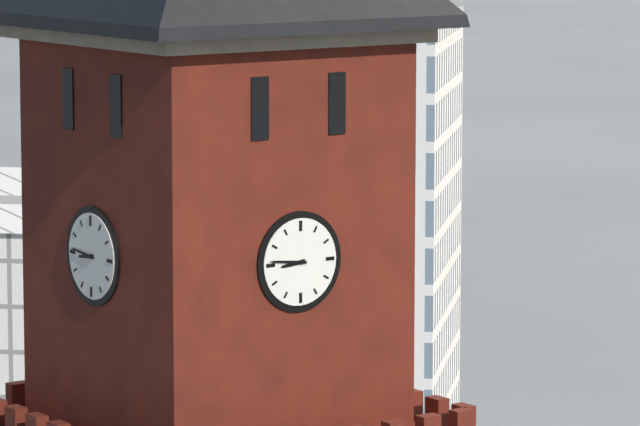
{"hour": 8, "minute": 46}
